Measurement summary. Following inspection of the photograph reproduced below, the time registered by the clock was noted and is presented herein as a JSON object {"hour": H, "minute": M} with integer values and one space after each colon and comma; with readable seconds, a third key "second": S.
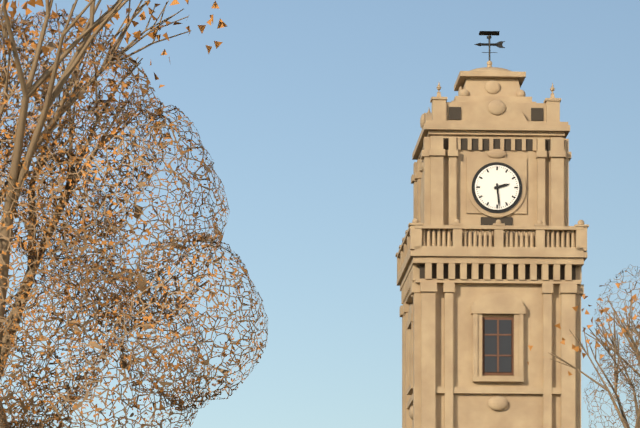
{"hour": 2, "minute": 29}
